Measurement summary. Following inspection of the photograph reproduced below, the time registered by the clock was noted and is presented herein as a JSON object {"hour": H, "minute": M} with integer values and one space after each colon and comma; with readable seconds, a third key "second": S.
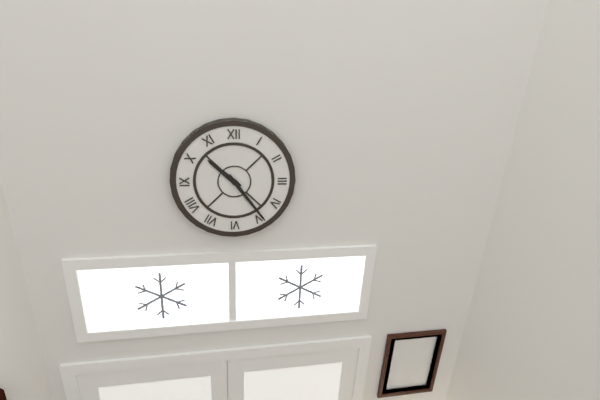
{"hour": 10, "minute": 24}
